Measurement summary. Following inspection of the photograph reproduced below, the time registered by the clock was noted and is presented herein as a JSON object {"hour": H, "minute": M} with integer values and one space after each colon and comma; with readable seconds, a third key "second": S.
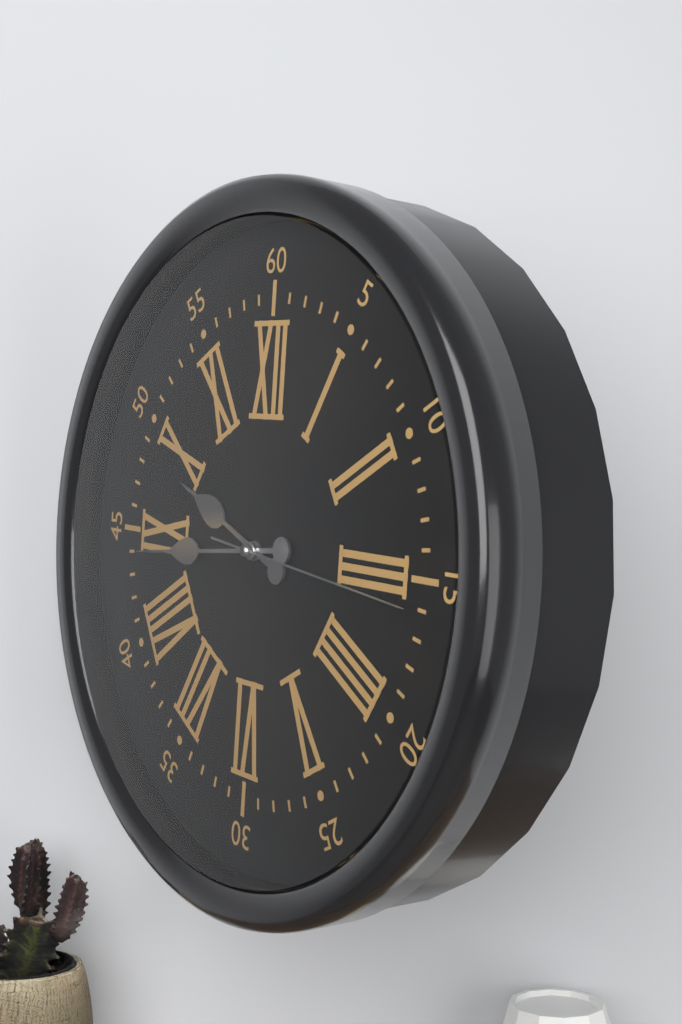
{"hour": 9, "minute": 44, "second": 16}
